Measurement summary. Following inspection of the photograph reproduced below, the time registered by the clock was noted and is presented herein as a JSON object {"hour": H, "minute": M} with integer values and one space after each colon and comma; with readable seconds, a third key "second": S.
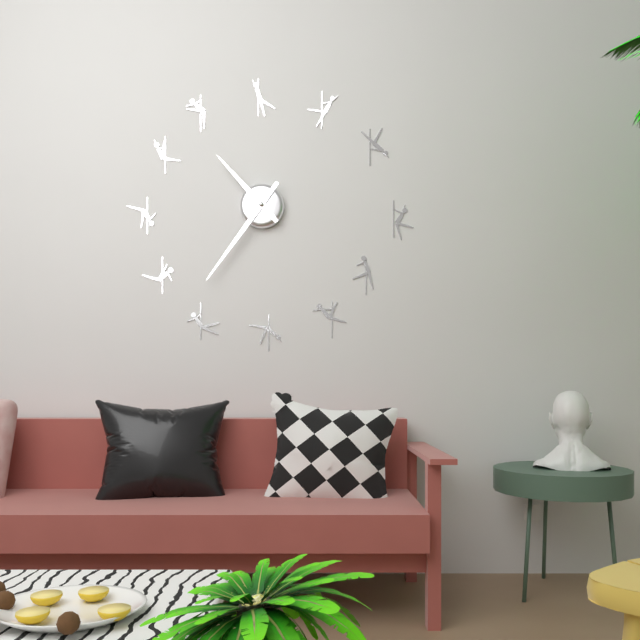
{"hour": 10, "minute": 36}
